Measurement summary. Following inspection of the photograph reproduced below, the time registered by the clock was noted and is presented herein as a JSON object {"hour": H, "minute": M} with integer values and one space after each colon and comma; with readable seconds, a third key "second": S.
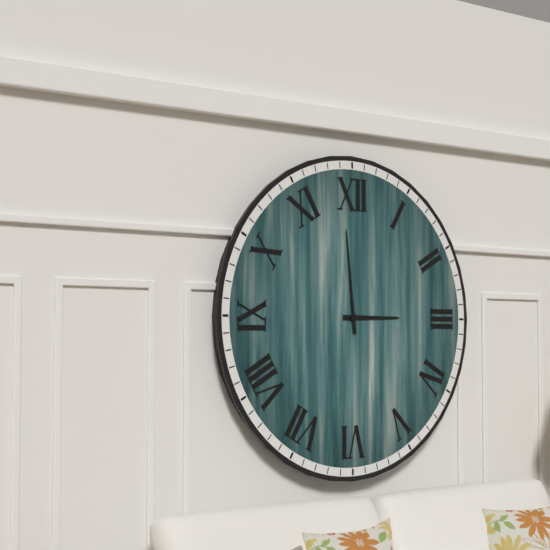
{"hour": 2, "minute": 59}
